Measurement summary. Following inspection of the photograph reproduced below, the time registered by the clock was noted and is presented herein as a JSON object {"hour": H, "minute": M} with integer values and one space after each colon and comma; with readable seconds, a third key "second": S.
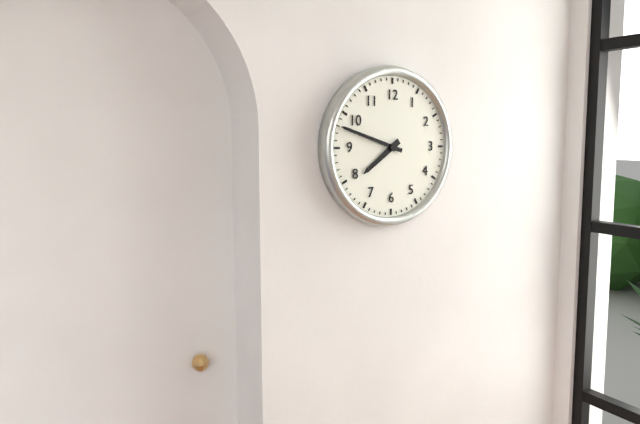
{"hour": 7, "minute": 48}
